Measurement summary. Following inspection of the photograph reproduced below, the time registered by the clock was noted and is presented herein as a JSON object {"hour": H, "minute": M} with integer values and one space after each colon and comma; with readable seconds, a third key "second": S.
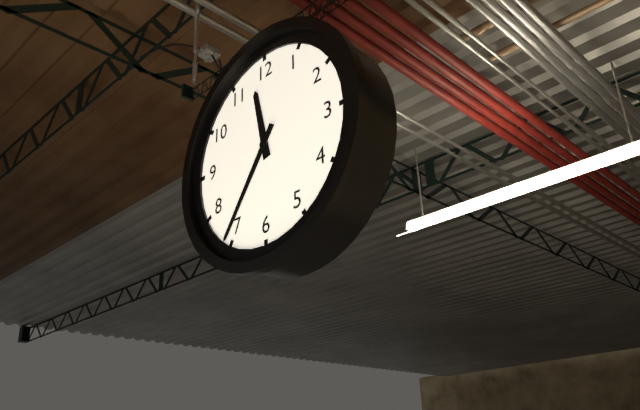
{"hour": 11, "minute": 36}
